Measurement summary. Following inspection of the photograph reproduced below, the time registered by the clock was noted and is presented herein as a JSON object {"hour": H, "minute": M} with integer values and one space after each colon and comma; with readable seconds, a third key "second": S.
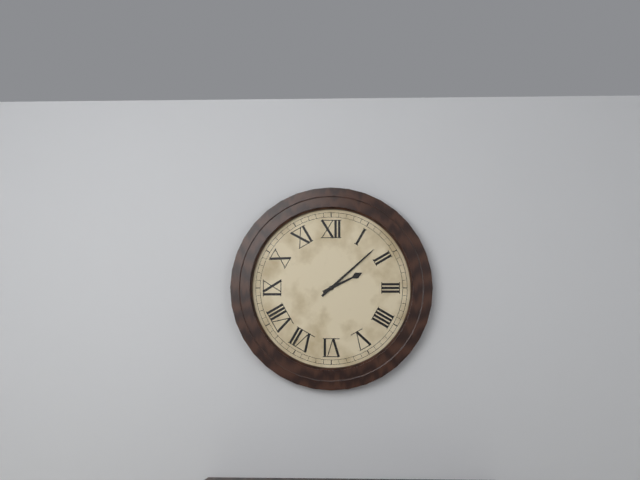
{"hour": 2, "minute": 8}
